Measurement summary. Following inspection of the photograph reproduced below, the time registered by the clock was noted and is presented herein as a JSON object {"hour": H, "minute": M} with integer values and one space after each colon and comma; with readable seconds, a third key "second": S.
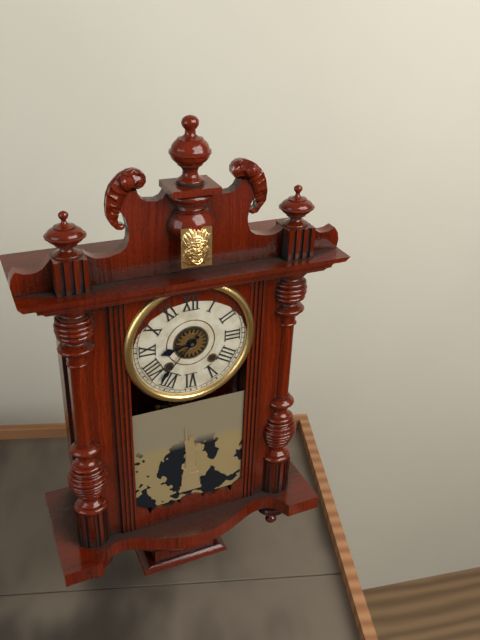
{"hour": 8, "minute": 37}
